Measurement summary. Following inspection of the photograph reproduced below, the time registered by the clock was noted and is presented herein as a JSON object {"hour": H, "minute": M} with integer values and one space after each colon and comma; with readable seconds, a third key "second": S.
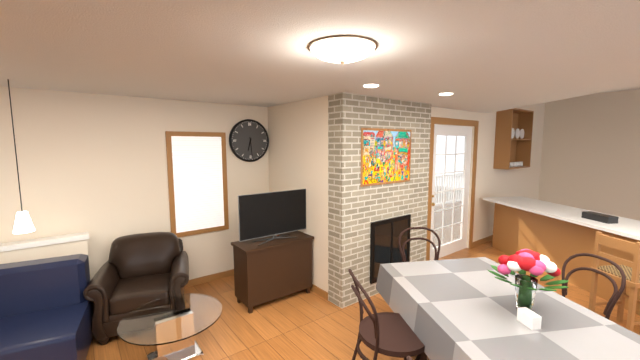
{"hour": 6, "minute": 29}
